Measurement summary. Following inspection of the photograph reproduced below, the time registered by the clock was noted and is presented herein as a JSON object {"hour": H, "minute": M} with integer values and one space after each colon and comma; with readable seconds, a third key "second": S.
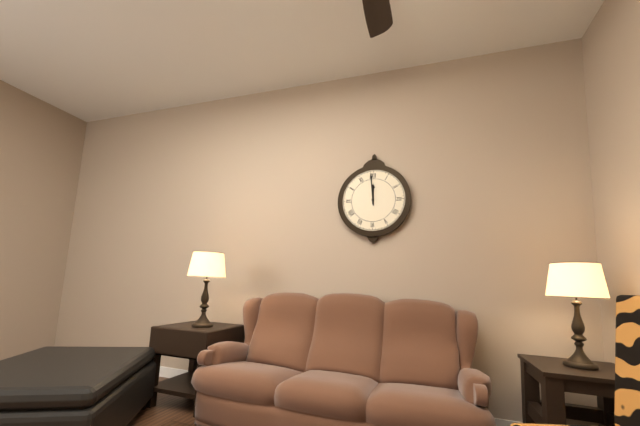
{"hour": 11, "minute": 59}
